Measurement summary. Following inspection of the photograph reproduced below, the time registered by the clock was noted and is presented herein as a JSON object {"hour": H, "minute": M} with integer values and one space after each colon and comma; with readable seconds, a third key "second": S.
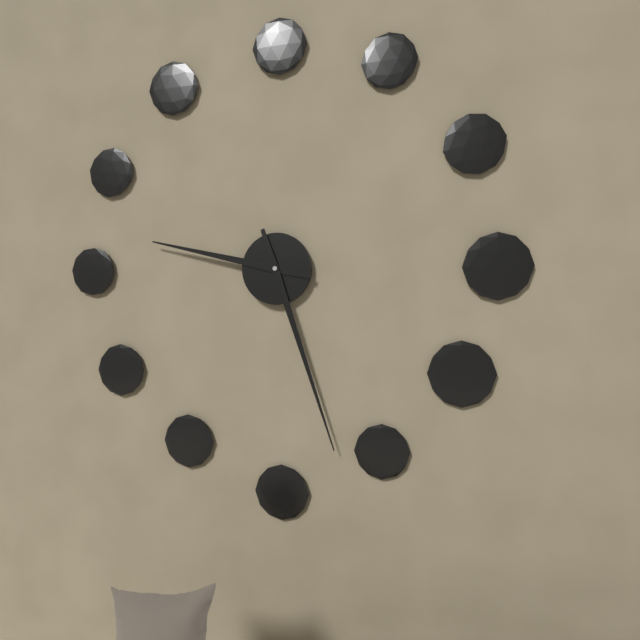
{"hour": 9, "minute": 27}
